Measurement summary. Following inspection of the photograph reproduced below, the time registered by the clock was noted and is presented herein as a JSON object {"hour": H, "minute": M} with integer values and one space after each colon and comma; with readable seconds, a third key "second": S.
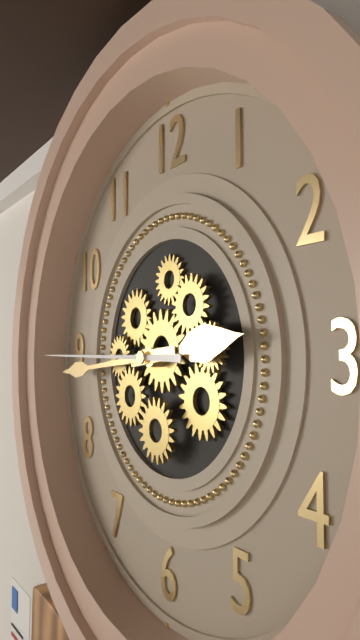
{"hour": 2, "minute": 44, "second": 45}
